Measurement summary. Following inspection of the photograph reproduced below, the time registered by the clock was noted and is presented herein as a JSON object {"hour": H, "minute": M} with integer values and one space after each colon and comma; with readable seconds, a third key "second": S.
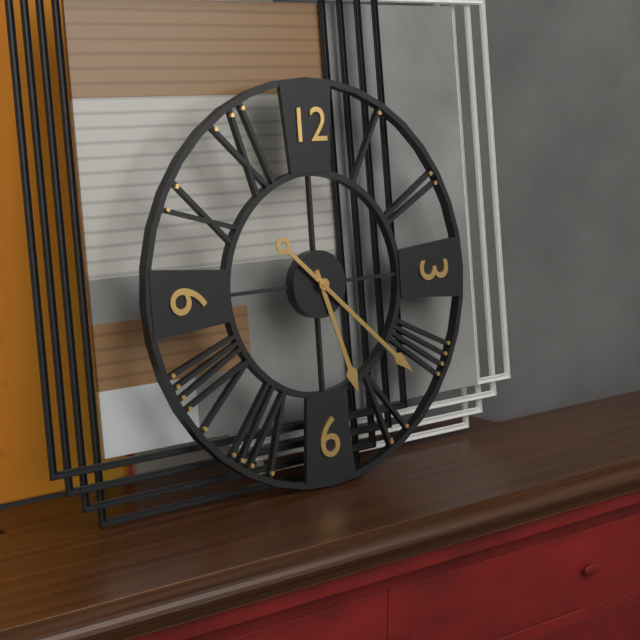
{"hour": 5, "minute": 22}
